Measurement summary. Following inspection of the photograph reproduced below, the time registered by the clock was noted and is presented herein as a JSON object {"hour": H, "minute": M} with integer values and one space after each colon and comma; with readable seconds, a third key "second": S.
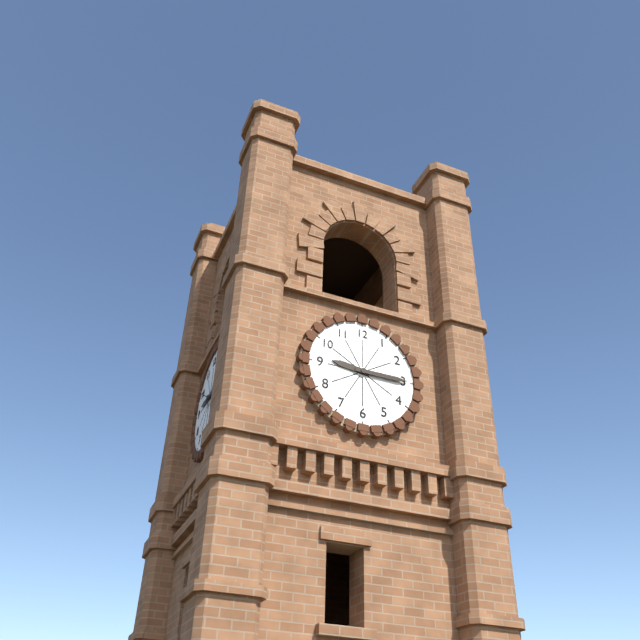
{"hour": 9, "minute": 15}
